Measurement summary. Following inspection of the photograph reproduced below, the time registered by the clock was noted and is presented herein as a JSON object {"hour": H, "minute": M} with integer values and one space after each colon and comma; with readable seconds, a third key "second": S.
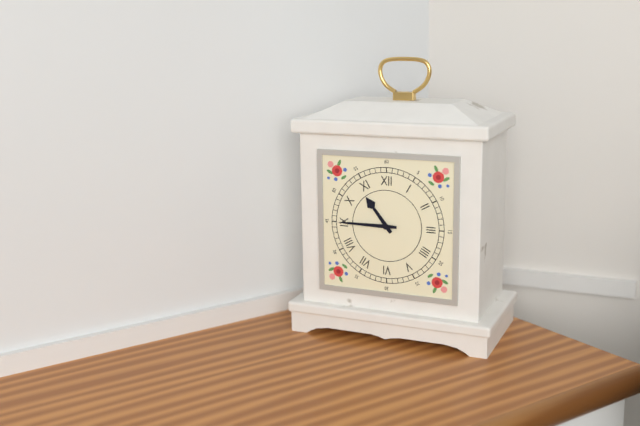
{"hour": 10, "minute": 45}
